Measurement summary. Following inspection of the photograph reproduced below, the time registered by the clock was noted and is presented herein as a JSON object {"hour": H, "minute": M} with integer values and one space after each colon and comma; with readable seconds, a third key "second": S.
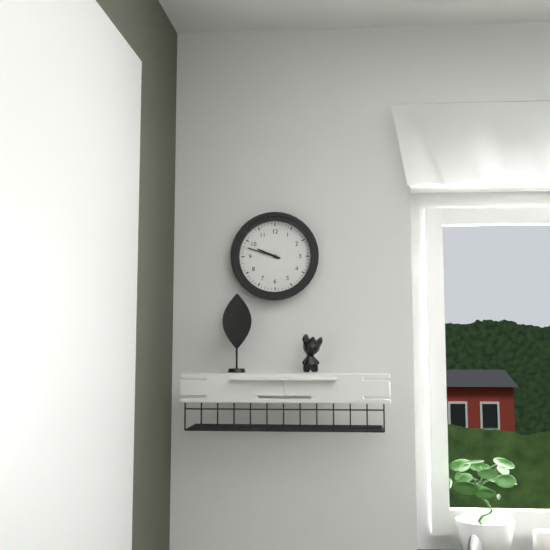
{"hour": 9, "minute": 48}
